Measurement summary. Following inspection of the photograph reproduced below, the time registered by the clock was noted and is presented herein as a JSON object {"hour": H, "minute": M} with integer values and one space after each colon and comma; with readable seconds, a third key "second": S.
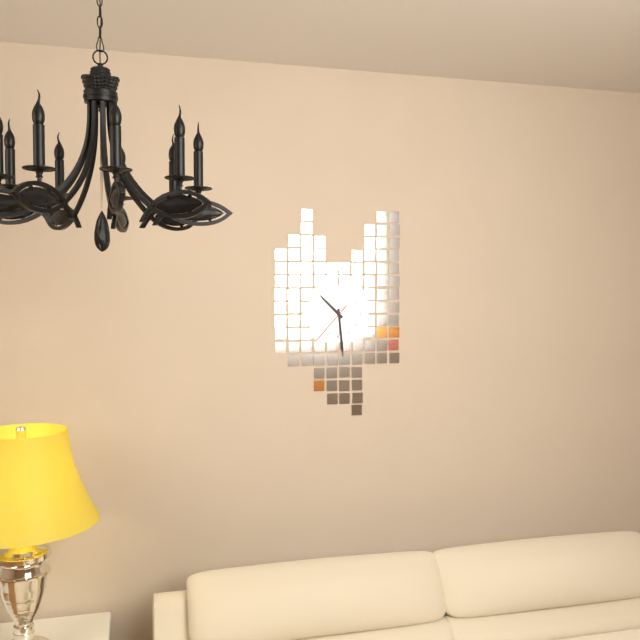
{"hour": 10, "minute": 29}
